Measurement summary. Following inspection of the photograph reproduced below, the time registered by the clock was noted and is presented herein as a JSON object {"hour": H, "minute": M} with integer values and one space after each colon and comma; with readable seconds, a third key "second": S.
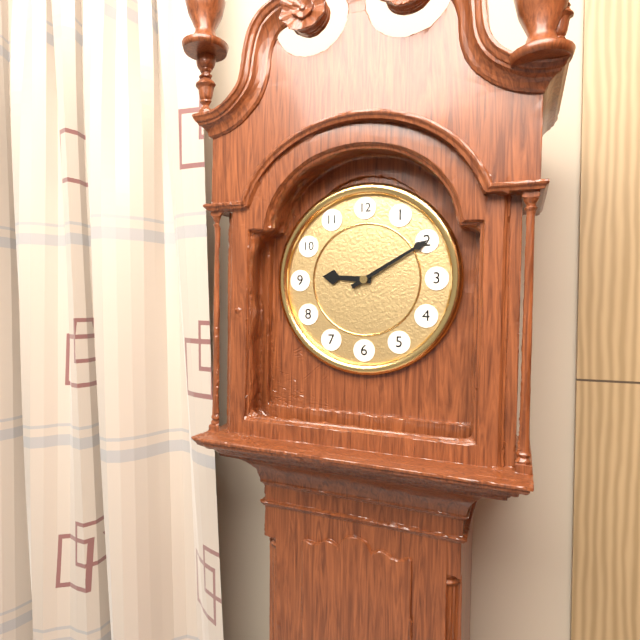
{"hour": 9, "minute": 10}
